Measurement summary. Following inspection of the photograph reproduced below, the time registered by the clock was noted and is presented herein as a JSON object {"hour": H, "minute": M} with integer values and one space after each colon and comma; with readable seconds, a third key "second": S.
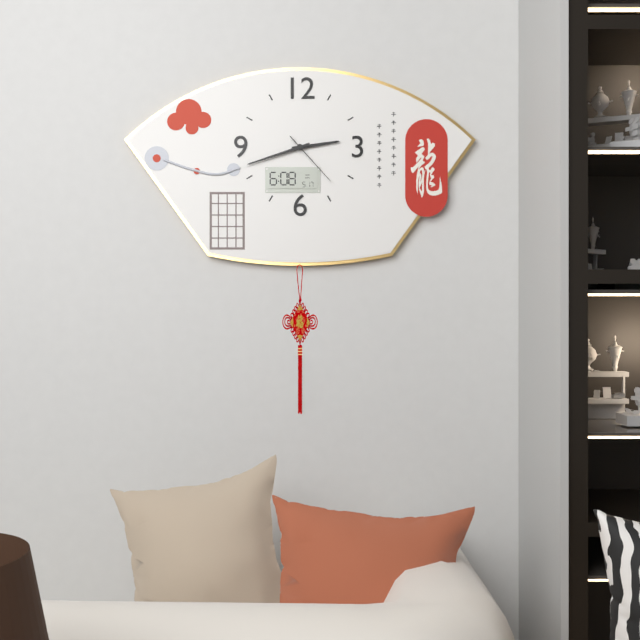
{"hour": 2, "minute": 42, "second": 23}
